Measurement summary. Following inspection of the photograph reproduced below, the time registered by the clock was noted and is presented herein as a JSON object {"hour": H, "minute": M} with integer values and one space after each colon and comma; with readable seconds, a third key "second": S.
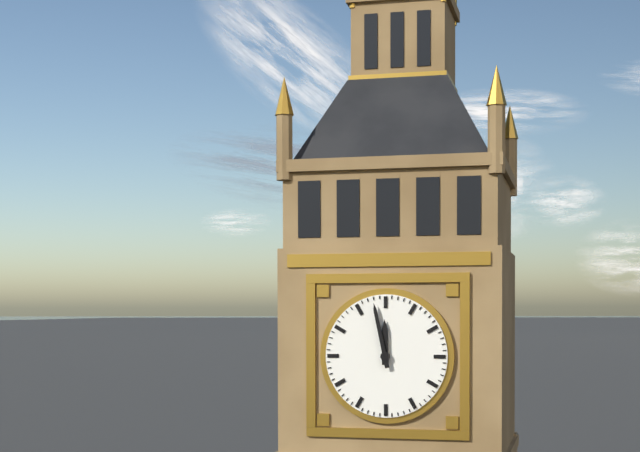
{"hour": 11, "minute": 58}
